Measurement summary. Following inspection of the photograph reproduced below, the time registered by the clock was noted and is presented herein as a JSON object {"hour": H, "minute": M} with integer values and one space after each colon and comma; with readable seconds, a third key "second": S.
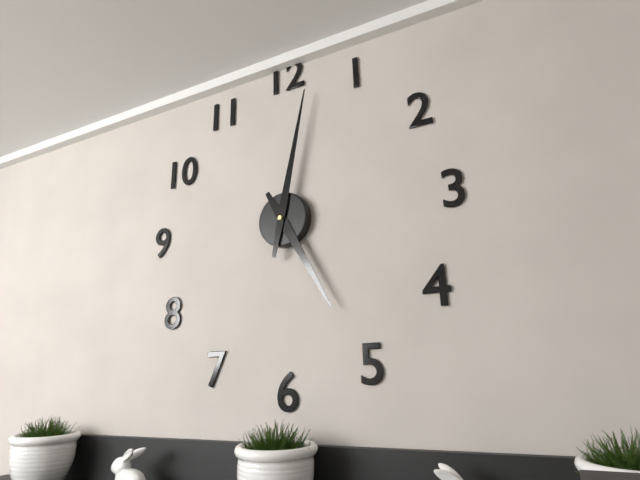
{"hour": 5, "minute": 2}
